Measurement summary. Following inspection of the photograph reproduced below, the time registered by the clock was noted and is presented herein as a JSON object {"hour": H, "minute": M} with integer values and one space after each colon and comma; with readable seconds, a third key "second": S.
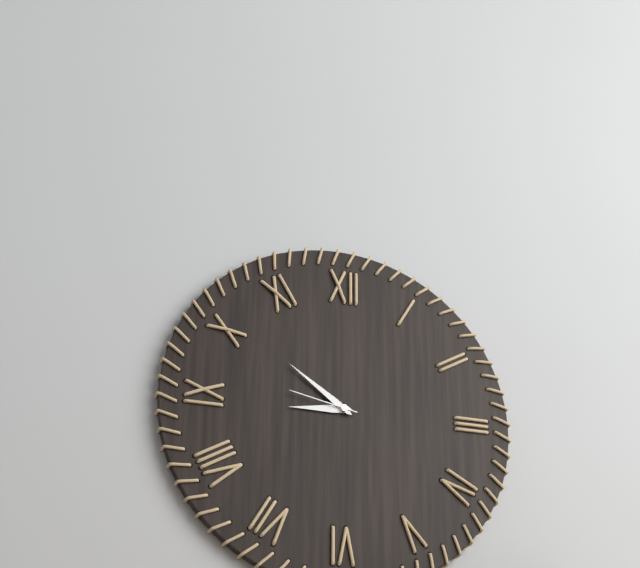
{"hour": 8, "minute": 51, "second": 47}
